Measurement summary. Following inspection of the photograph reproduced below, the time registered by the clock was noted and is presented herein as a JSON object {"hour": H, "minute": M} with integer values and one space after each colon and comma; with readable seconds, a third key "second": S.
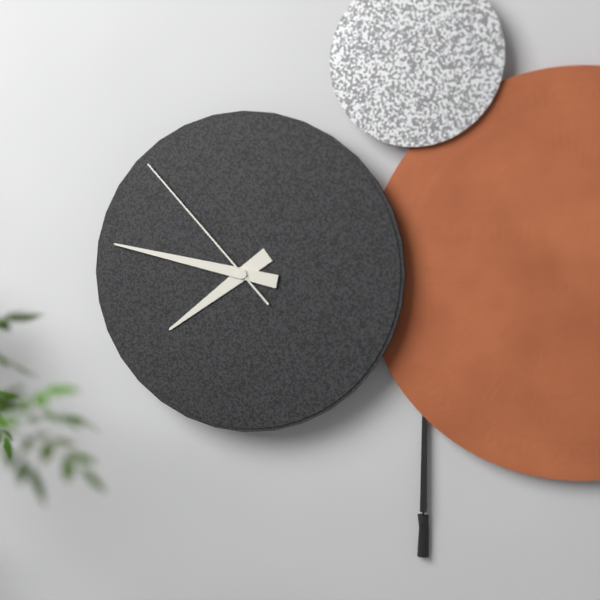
{"hour": 7, "minute": 47, "second": 53}
